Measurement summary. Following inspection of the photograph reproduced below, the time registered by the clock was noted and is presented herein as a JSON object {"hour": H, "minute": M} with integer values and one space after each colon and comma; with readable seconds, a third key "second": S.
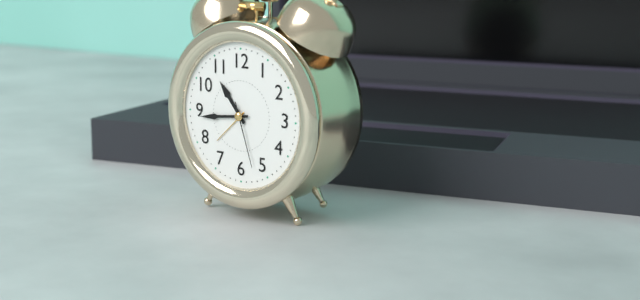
{"hour": 10, "minute": 44, "second": 27}
